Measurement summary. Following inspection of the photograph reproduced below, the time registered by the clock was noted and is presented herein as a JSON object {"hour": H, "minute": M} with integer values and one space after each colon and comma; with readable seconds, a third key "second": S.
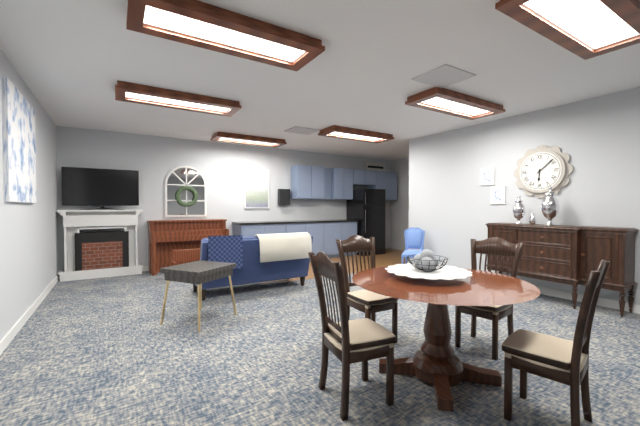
{"hour": 6, "minute": 8}
